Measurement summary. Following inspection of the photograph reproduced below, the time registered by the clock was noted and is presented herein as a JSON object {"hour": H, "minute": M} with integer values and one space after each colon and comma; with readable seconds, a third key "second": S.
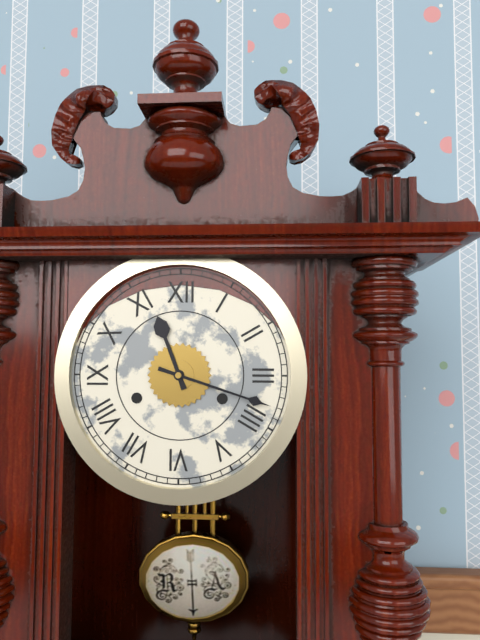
{"hour": 11, "minute": 18}
